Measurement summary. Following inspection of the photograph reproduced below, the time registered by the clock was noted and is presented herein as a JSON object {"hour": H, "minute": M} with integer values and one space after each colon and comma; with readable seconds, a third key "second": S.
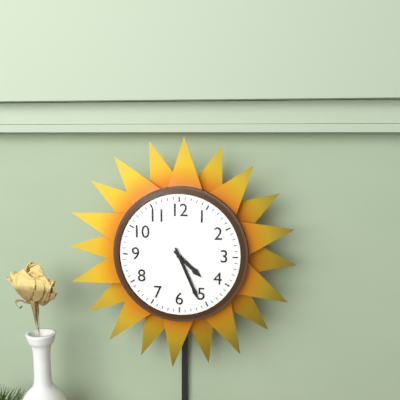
{"hour": 4, "minute": 26}
